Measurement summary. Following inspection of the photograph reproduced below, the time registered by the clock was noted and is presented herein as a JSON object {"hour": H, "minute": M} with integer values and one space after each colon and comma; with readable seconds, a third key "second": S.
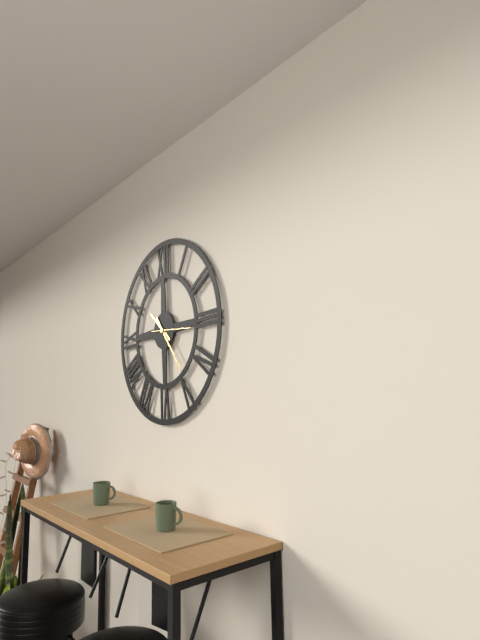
{"hour": 10, "minute": 24}
